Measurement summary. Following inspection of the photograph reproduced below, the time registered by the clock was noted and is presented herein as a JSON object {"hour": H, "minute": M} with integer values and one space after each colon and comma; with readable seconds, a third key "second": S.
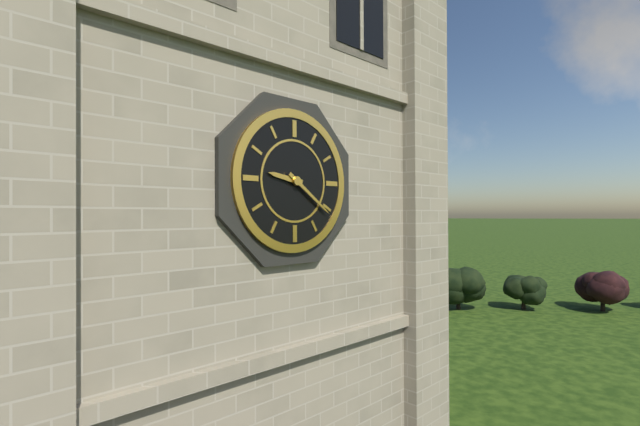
{"hour": 9, "minute": 21}
